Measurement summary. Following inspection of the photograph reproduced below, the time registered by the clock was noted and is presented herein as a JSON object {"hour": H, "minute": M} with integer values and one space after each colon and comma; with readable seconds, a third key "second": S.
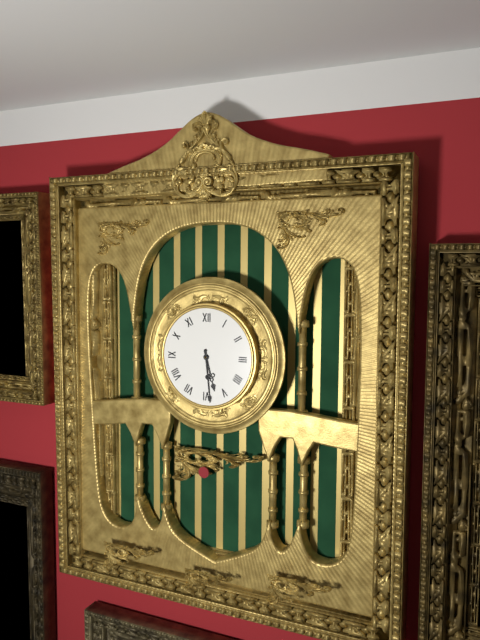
{"hour": 5, "minute": 29}
